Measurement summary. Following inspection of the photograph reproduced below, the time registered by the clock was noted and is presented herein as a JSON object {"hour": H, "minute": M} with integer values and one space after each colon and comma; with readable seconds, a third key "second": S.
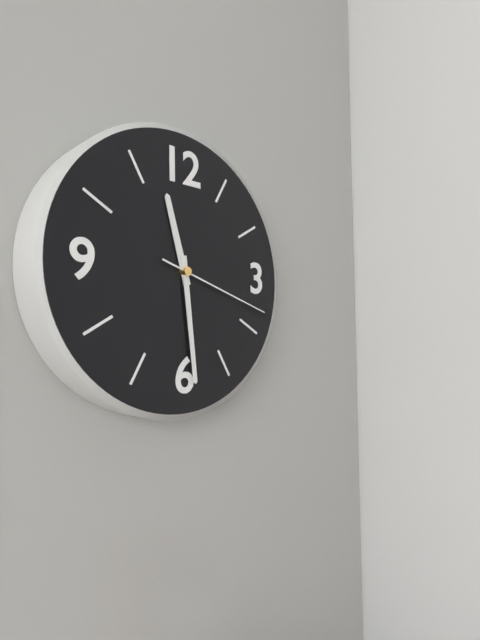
{"hour": 11, "minute": 29, "second": 18}
